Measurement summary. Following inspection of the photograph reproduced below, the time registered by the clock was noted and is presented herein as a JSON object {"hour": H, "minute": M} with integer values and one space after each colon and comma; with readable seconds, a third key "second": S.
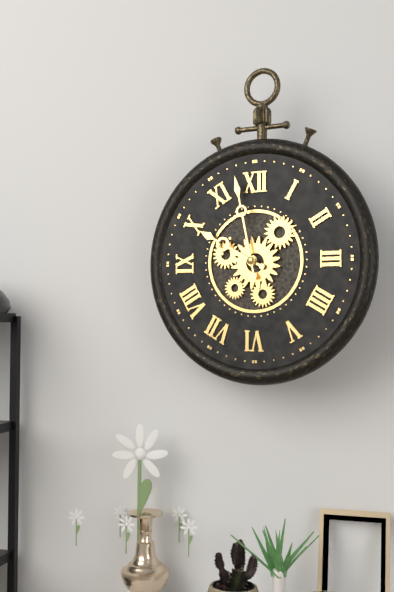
{"hour": 9, "minute": 58}
